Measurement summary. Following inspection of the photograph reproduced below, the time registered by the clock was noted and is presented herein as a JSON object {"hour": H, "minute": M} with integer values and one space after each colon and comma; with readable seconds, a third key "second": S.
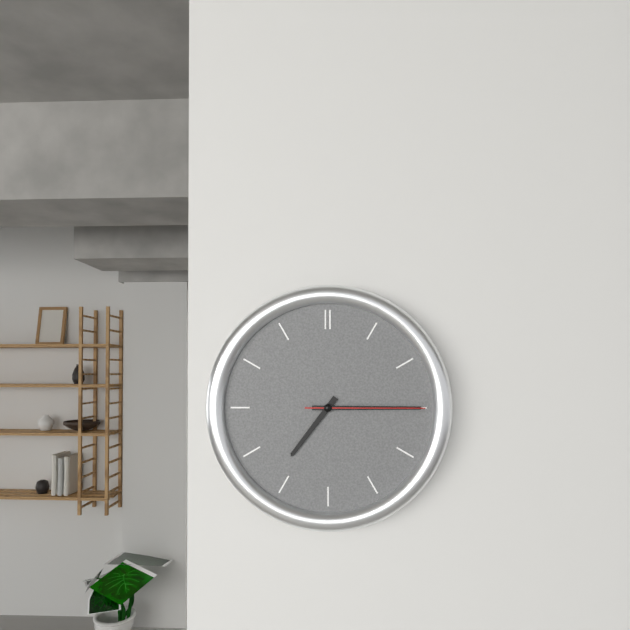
{"hour": 7, "minute": 15, "second": 15}
